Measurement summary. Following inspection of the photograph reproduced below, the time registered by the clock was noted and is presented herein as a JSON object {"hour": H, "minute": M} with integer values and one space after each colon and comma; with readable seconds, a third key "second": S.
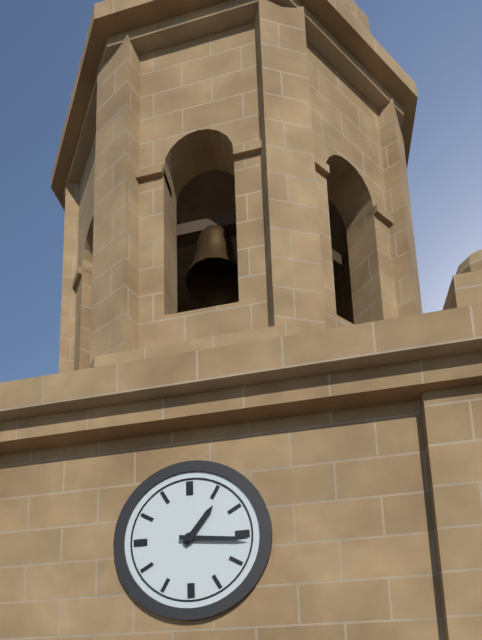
{"hour": 1, "minute": 16}
